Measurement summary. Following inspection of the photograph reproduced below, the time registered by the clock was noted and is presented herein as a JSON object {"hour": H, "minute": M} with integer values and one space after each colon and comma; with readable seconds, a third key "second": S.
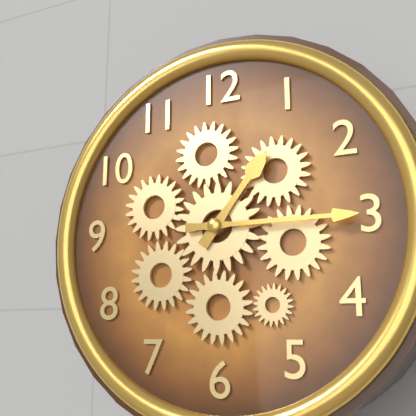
{"hour": 1, "minute": 15}
